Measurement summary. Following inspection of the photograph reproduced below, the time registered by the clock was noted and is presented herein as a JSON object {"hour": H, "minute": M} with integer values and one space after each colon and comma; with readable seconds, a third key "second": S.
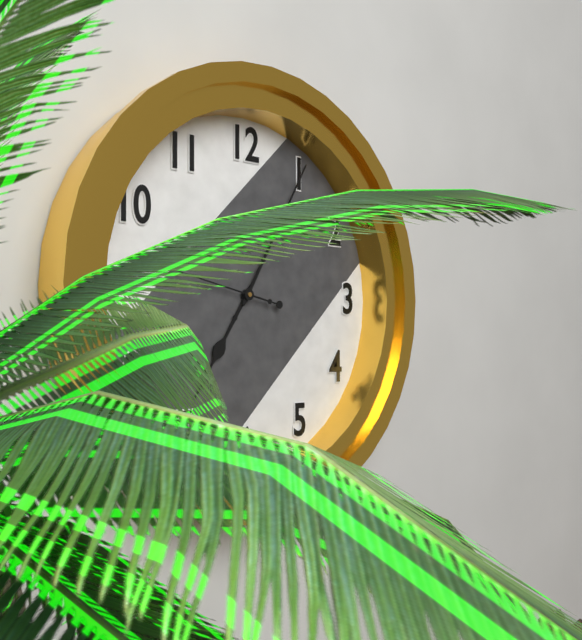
{"hour": 7, "minute": 5, "second": 47}
